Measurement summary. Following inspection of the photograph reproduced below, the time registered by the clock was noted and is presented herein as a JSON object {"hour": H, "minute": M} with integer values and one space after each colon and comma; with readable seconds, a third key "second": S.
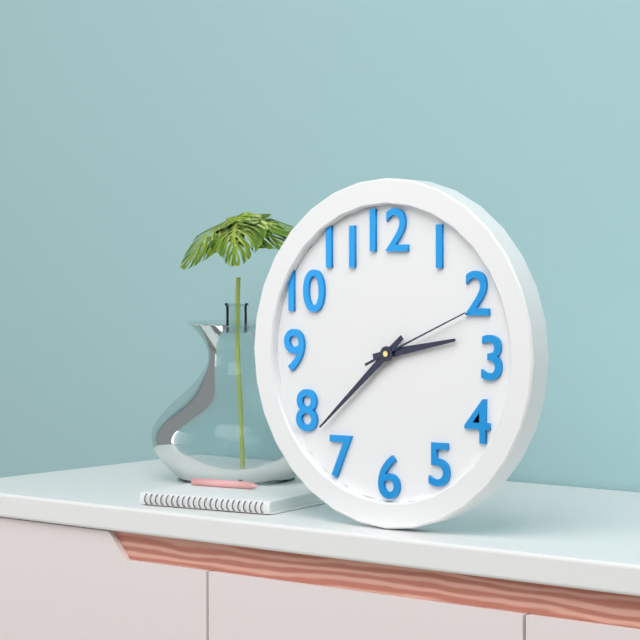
{"hour": 2, "minute": 38, "second": 11}
